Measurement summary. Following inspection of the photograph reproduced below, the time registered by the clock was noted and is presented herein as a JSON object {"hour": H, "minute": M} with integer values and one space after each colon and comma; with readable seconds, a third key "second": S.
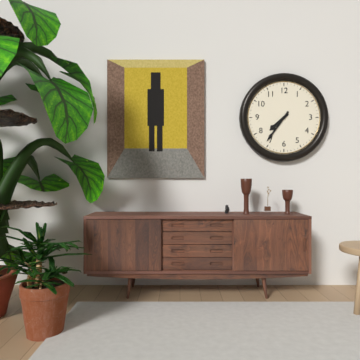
{"hour": 7, "minute": 36}
